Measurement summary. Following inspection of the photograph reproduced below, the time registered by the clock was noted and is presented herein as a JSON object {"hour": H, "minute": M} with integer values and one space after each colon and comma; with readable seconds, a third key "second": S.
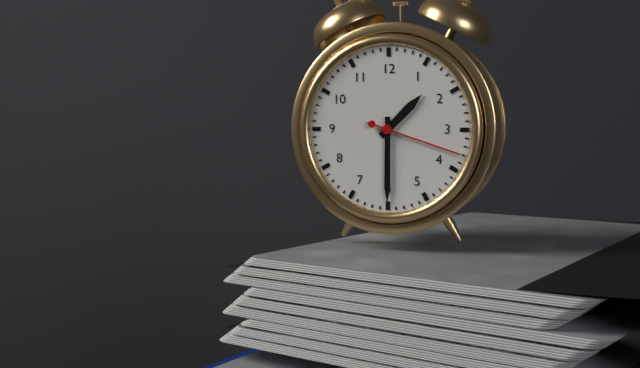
{"hour": 1, "minute": 30, "second": 18}
